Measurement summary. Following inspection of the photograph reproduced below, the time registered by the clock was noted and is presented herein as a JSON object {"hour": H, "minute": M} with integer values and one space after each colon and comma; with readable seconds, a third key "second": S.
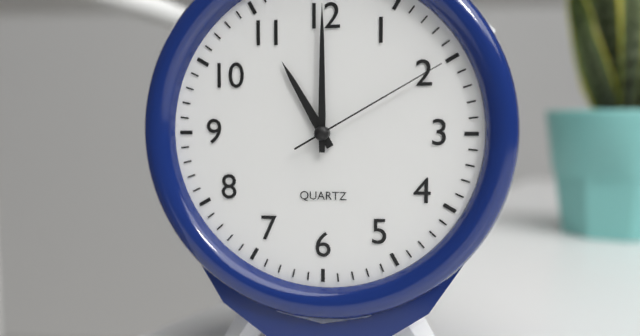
{"hour": 11, "minute": 0, "second": 10}
